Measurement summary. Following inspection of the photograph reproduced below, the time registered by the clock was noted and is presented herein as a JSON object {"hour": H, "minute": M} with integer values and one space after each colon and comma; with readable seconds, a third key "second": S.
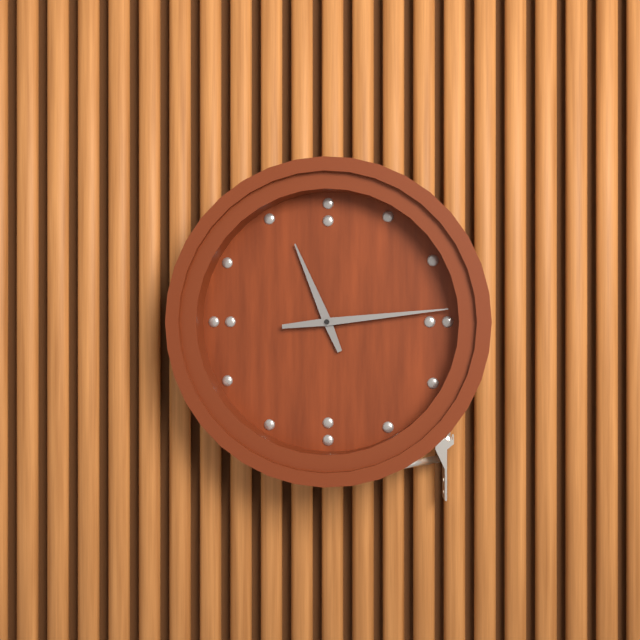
{"hour": 11, "minute": 14}
